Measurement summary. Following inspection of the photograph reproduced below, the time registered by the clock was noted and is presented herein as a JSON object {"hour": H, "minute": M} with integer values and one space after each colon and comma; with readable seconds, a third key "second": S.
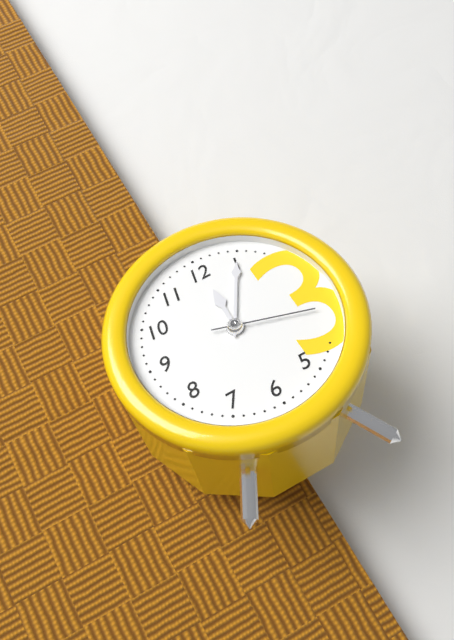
{"hour": 12, "minute": 5, "second": 18}
